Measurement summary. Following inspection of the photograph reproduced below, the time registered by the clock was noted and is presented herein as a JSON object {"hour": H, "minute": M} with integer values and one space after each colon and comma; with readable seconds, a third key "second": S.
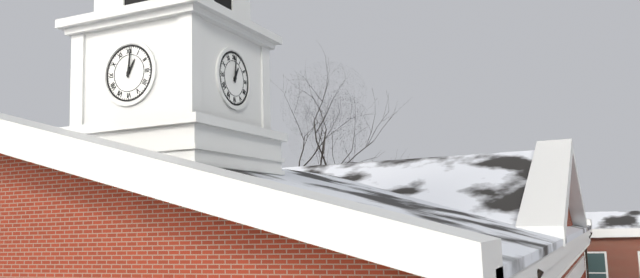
{"hour": 1, "minute": 1}
